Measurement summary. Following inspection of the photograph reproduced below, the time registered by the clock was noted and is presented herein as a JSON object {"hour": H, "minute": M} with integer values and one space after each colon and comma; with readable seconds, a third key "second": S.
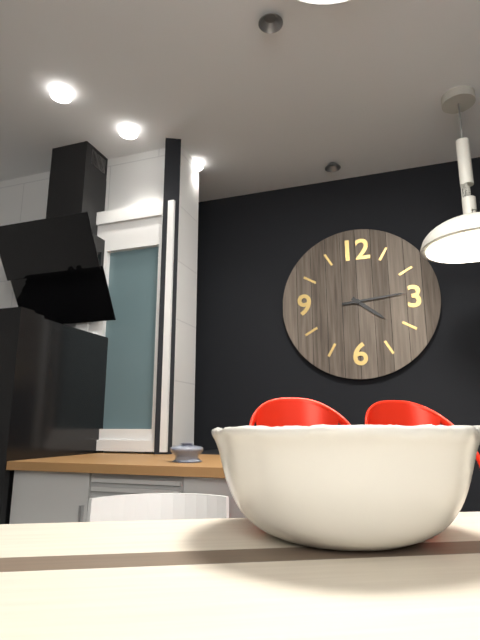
{"hour": 4, "minute": 14}
